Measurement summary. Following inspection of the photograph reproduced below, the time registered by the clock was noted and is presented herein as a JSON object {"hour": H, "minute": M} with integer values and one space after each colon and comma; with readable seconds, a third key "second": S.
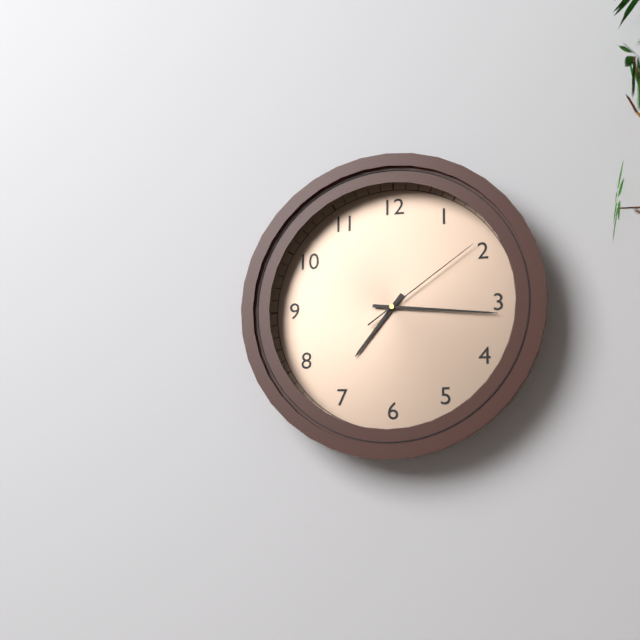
{"hour": 7, "minute": 16, "second": 9}
